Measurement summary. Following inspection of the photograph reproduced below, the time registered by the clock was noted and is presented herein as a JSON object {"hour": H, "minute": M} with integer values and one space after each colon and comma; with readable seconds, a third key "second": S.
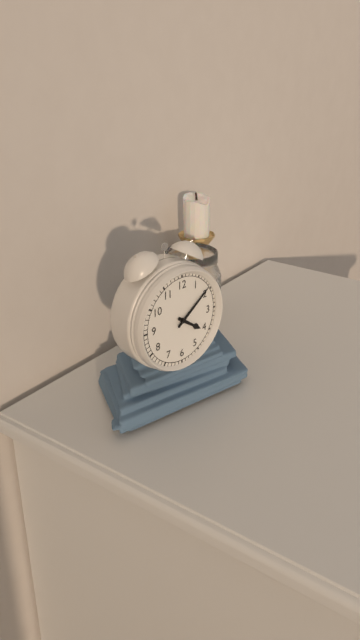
{"hour": 4, "minute": 9}
